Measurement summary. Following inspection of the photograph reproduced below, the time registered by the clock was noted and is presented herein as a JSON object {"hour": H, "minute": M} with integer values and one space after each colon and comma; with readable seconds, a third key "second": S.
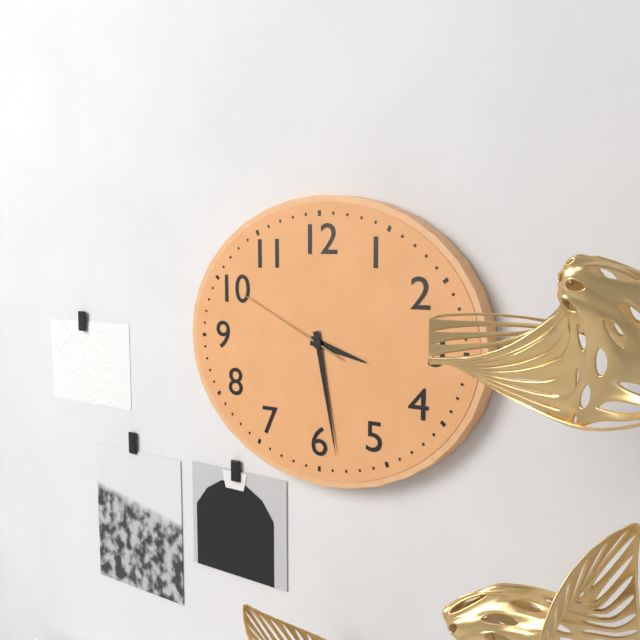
{"hour": 3, "minute": 28, "second": 49}
